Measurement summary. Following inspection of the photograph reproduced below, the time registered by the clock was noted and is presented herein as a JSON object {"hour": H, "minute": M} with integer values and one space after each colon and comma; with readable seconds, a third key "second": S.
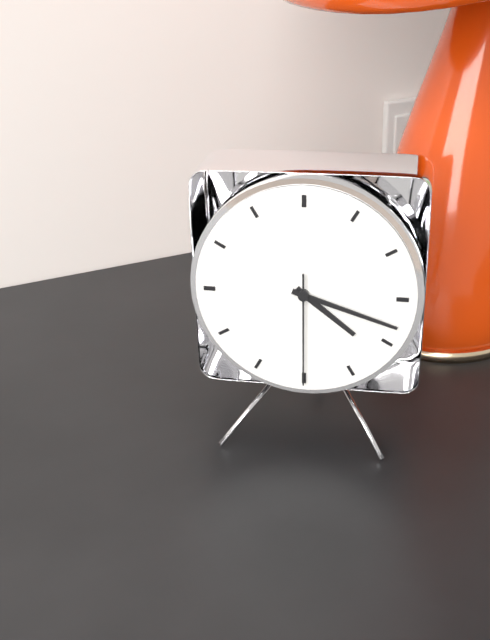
{"hour": 4, "minute": 18, "second": 30}
